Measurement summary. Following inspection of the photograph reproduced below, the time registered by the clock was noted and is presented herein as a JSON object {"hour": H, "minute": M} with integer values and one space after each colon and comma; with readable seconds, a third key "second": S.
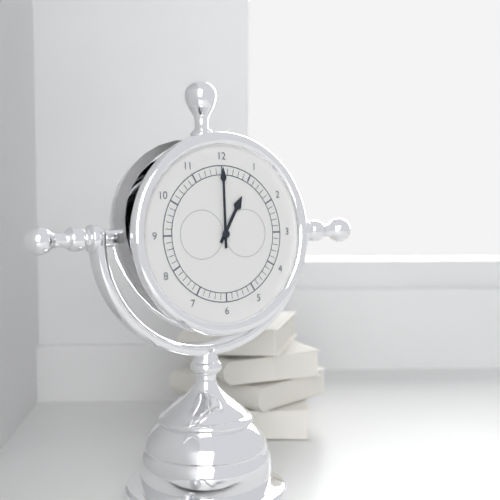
{"hour": 1, "minute": 0}
